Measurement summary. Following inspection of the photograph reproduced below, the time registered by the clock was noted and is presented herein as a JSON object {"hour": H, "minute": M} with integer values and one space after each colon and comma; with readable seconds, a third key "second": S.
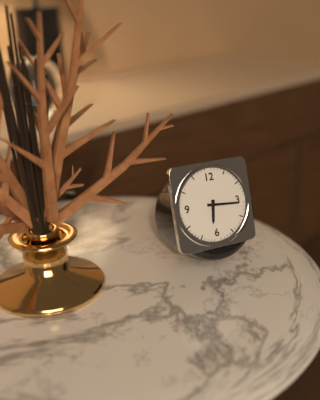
{"hour": 6, "minute": 16}
